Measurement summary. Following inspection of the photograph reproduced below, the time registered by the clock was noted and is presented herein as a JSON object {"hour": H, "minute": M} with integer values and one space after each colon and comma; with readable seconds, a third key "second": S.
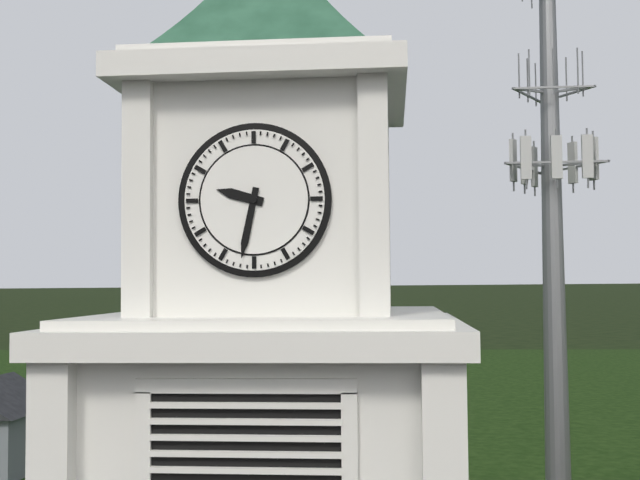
{"hour": 9, "minute": 32}
